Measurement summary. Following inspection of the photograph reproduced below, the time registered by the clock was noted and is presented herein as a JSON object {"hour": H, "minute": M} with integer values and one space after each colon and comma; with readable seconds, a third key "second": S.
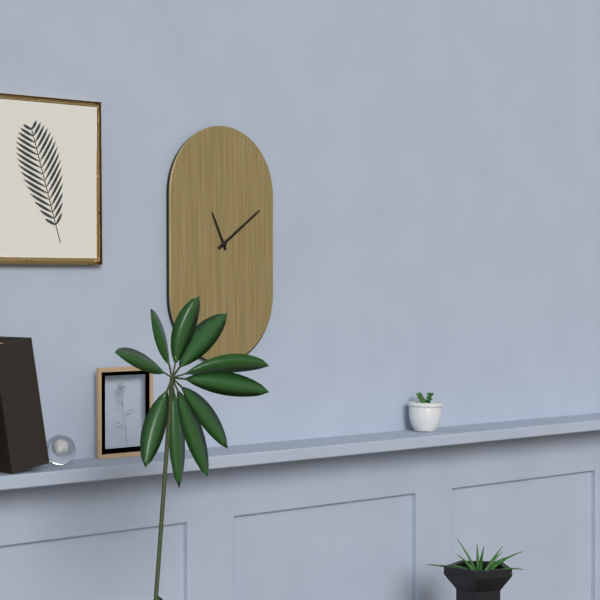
{"hour": 11, "minute": 9}
